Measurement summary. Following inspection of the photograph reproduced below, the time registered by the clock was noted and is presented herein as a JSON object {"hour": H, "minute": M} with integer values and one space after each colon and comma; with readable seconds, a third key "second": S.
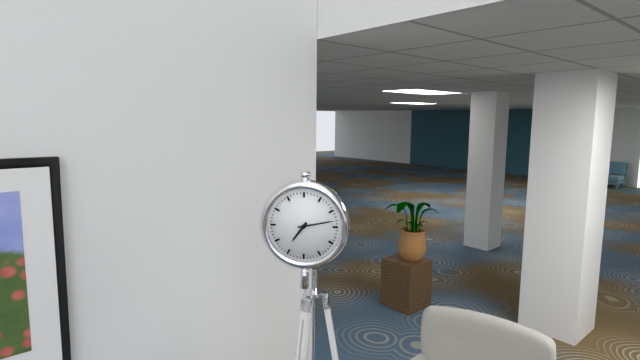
{"hour": 7, "minute": 13}
